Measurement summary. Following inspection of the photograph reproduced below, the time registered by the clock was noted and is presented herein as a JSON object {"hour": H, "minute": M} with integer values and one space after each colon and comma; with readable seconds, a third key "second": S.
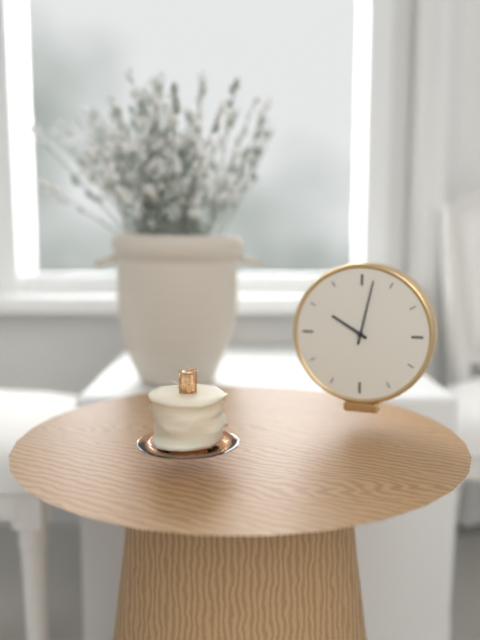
{"hour": 10, "minute": 2}
